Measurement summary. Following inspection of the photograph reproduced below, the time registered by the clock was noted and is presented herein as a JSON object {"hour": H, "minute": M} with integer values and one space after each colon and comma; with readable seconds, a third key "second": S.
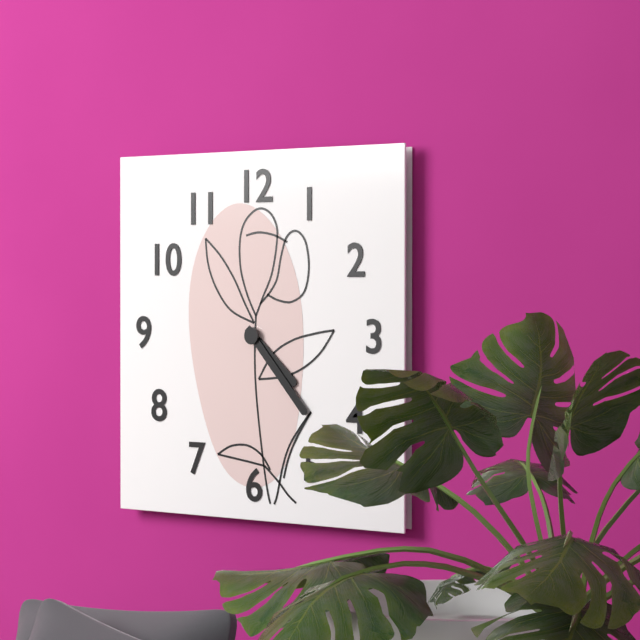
{"hour": 4, "minute": 23}
